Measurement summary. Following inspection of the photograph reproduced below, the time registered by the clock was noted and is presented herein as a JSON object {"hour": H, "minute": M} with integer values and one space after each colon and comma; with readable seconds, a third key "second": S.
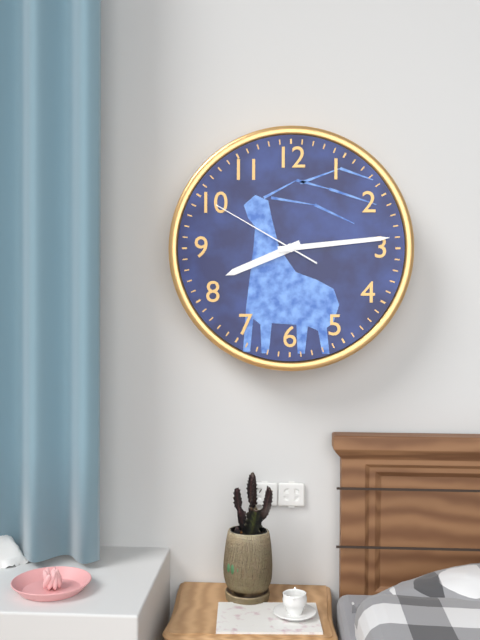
{"hour": 8, "minute": 14, "second": 50}
